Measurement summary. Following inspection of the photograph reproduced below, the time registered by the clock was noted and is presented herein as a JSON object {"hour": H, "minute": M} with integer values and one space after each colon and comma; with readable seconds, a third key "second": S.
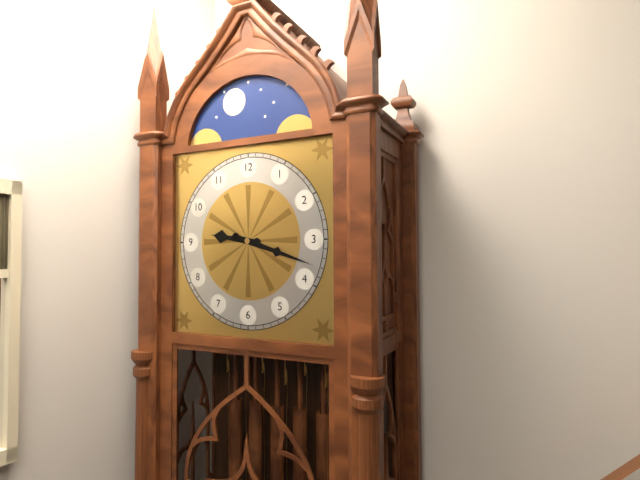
{"hour": 9, "minute": 18}
